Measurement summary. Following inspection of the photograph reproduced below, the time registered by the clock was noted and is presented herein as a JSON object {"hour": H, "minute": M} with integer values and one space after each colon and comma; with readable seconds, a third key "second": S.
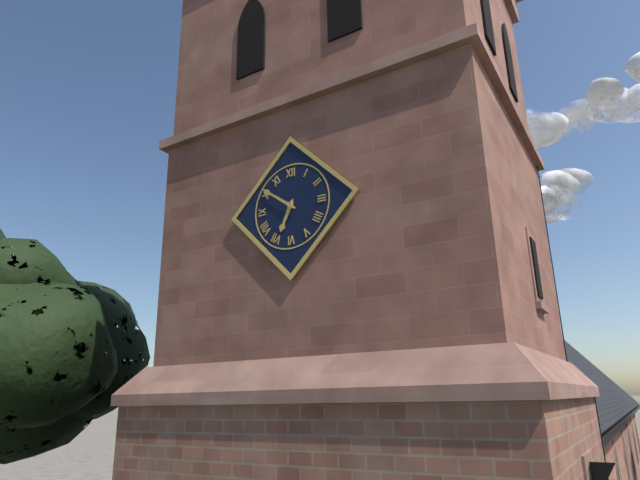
{"hour": 6, "minute": 51}
